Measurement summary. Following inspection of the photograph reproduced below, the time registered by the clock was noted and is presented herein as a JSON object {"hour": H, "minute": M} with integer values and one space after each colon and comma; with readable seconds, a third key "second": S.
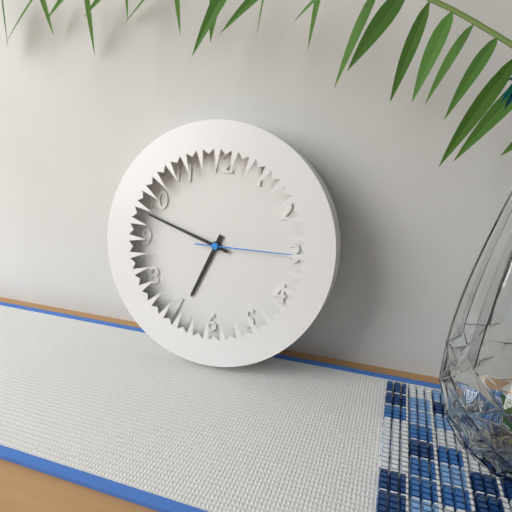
{"hour": 6, "minute": 48, "second": 15}
